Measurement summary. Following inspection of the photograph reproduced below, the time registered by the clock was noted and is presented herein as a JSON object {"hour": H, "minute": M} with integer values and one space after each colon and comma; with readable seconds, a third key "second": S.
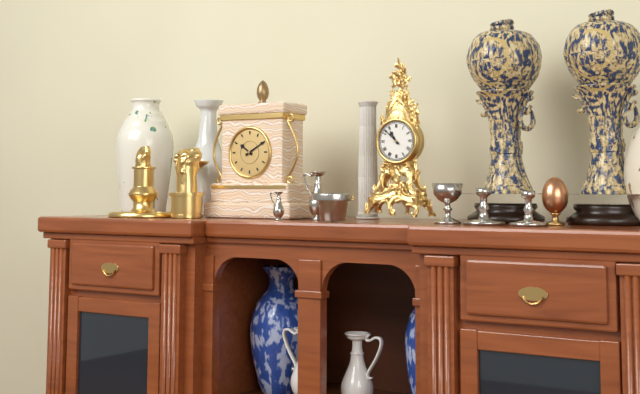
{"hour": 10, "minute": 52}
